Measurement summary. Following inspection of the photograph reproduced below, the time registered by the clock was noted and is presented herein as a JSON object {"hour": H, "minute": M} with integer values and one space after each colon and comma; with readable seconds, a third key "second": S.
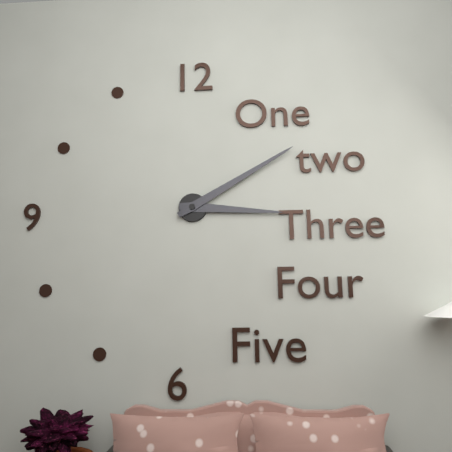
{"hour": 3, "minute": 10}
